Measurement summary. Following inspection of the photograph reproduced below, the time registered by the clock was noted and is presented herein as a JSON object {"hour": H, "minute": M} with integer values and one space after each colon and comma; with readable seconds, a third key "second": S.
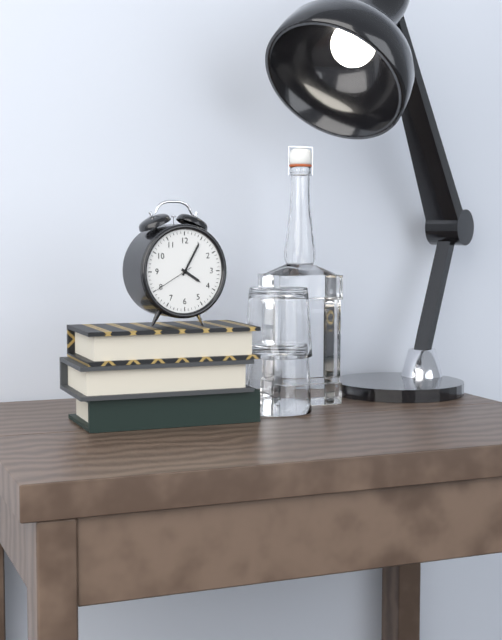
{"hour": 4, "minute": 5}
